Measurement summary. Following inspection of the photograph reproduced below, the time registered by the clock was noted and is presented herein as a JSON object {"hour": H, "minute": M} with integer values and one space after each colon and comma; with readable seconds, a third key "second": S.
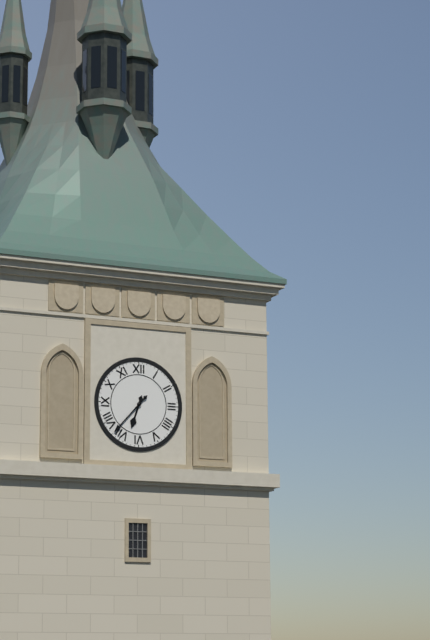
{"hour": 6, "minute": 37}
